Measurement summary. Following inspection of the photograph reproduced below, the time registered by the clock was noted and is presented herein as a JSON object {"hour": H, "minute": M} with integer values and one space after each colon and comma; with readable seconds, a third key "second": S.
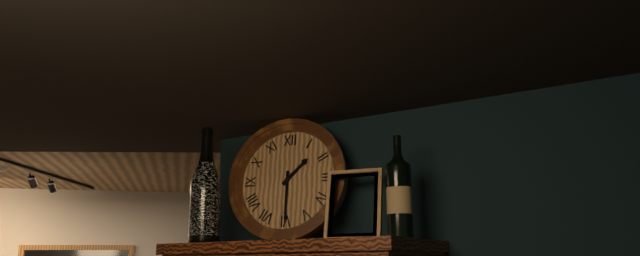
{"hour": 1, "minute": 30}
